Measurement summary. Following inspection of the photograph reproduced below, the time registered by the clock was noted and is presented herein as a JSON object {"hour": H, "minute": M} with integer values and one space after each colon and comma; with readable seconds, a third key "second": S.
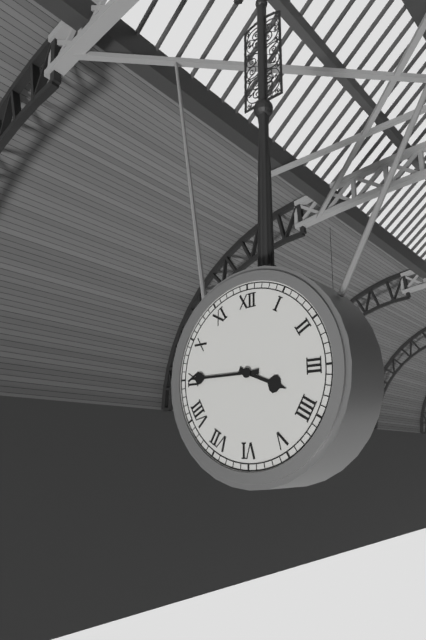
{"hour": 3, "minute": 45}
